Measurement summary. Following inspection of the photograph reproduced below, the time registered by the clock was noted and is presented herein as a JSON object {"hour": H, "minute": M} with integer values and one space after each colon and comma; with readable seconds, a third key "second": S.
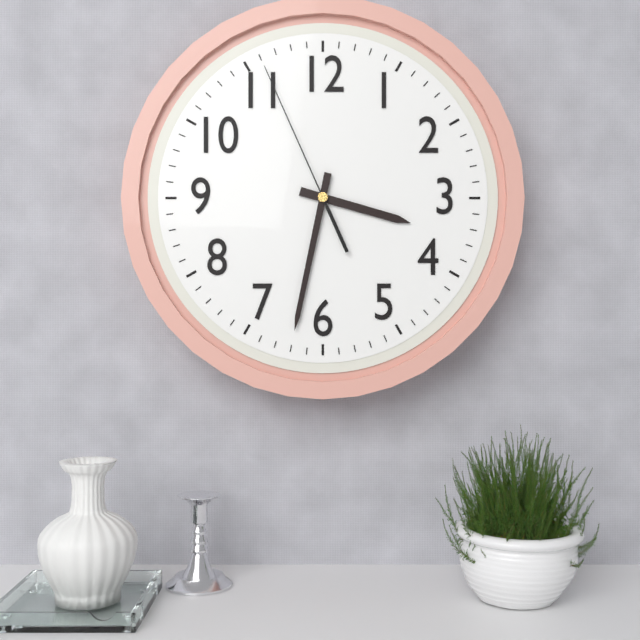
{"hour": 3, "minute": 32, "second": 56}
